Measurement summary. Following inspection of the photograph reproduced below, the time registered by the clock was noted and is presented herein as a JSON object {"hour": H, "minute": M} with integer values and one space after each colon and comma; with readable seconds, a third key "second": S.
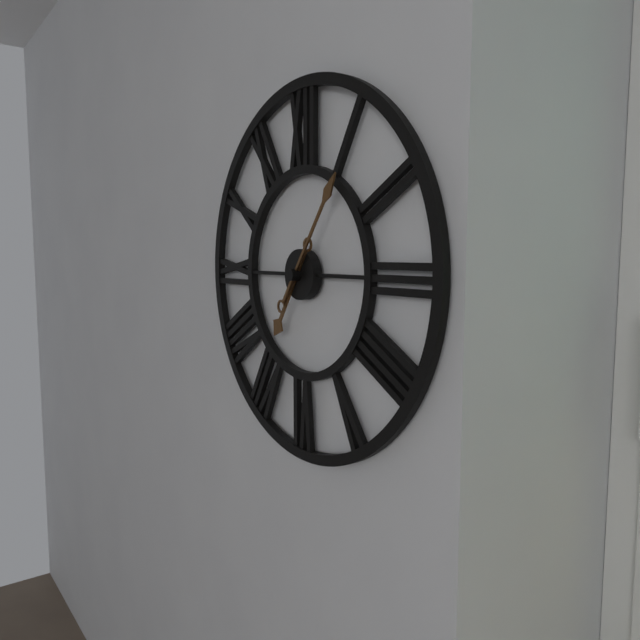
{"hour": 7, "minute": 6}
